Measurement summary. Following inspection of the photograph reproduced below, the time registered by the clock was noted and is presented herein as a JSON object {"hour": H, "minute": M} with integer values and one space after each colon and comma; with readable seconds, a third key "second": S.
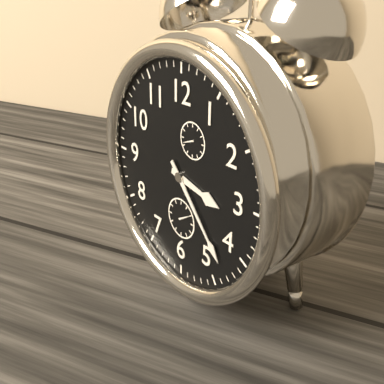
{"hour": 3, "minute": 23}
